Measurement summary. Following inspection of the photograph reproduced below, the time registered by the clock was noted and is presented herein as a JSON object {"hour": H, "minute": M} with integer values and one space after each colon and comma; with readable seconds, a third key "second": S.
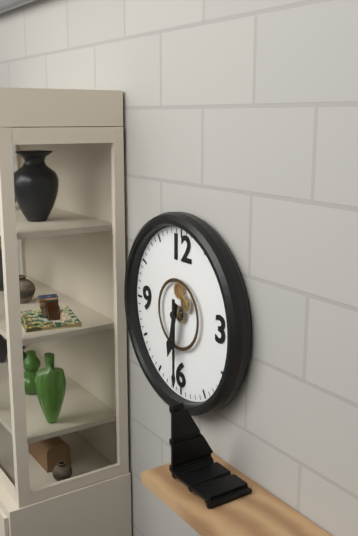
{"hour": 6, "minute": 30}
